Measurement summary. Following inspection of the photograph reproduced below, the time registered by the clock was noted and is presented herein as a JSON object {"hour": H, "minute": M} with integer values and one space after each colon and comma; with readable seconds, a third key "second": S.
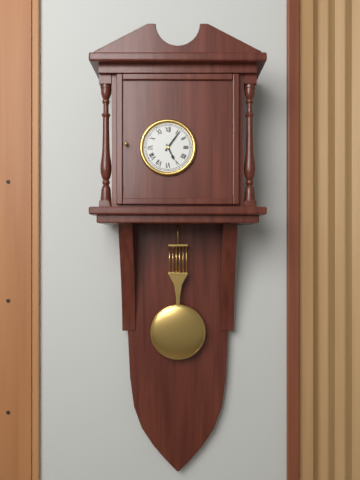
{"hour": 5, "minute": 6}
